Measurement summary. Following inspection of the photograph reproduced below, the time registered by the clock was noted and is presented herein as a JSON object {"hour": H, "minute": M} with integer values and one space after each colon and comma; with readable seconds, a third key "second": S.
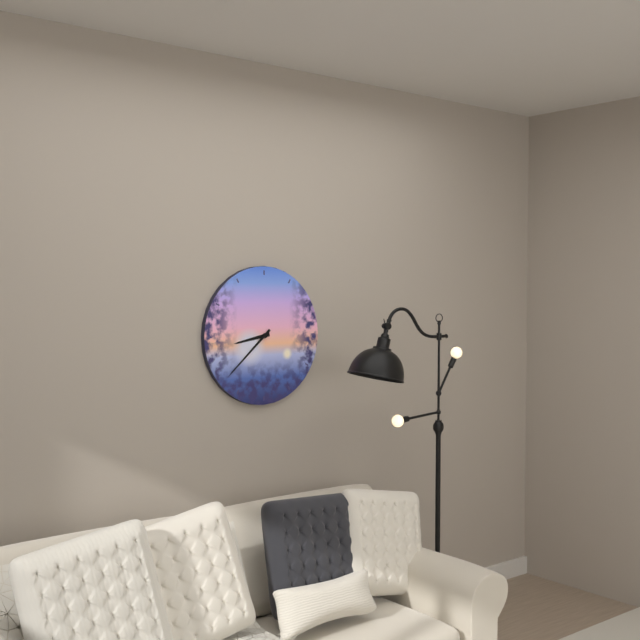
{"hour": 8, "minute": 38}
